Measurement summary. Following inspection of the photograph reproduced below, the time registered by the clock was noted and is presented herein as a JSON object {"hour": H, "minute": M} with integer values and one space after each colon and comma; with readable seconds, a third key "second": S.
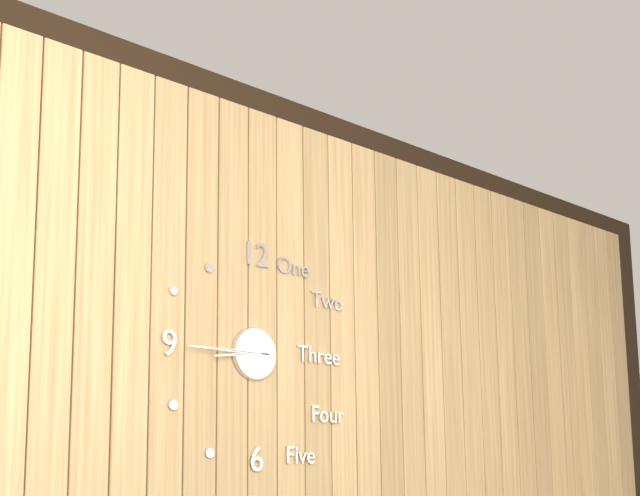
{"hour": 8, "minute": 45}
